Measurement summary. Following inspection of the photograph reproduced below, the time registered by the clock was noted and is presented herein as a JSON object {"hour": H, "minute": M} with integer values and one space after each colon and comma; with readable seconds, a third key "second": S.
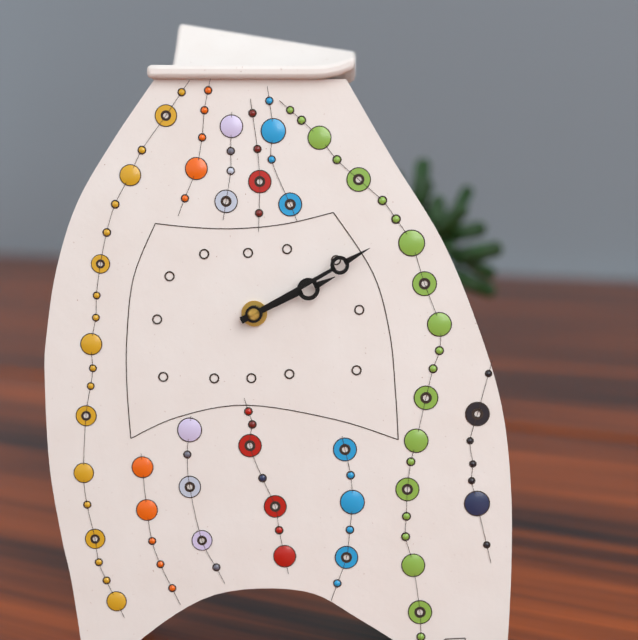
{"hour": 2, "minute": 10}
